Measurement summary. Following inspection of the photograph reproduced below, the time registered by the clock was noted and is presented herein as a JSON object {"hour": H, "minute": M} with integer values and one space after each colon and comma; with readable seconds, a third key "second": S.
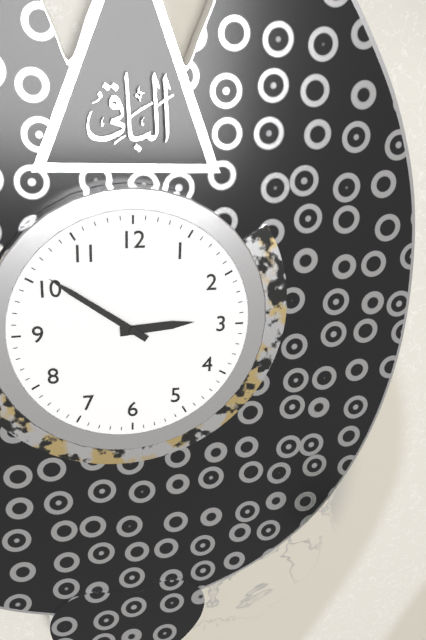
{"hour": 2, "minute": 51}
